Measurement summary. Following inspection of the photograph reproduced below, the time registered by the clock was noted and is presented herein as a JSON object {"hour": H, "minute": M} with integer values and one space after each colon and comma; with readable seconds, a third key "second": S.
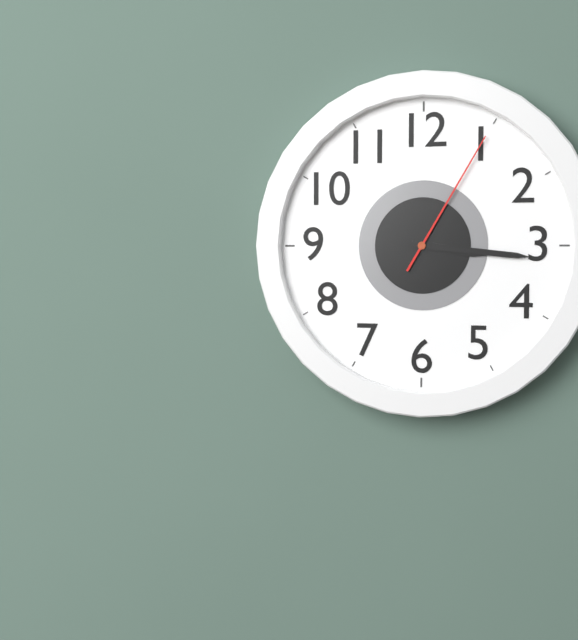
{"hour": 3, "minute": 16, "second": 5}
